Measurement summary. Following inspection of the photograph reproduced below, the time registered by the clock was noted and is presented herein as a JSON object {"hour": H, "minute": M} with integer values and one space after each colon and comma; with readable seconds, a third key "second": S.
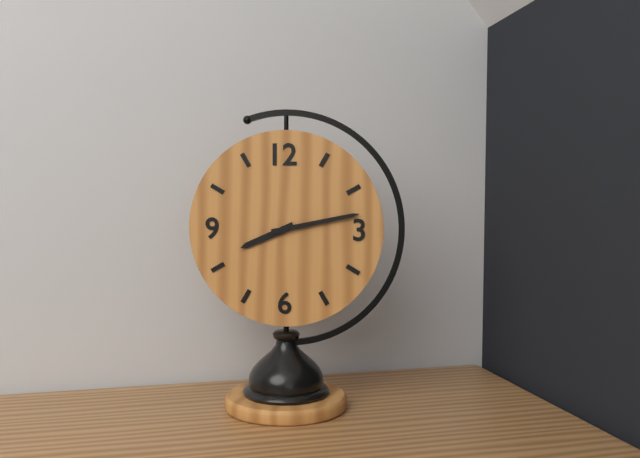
{"hour": 8, "minute": 13}
